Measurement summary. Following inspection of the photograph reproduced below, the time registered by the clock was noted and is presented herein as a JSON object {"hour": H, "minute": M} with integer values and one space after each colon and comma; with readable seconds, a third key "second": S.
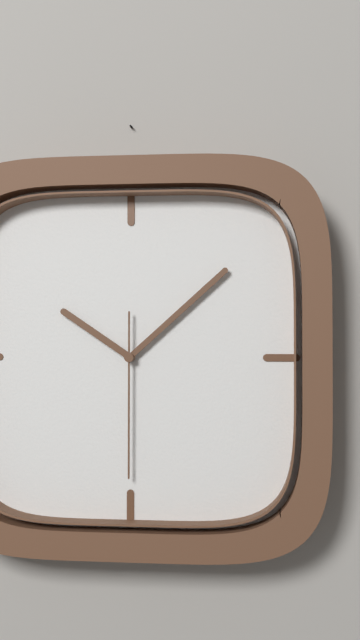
{"hour": 10, "minute": 8, "second": 30}
